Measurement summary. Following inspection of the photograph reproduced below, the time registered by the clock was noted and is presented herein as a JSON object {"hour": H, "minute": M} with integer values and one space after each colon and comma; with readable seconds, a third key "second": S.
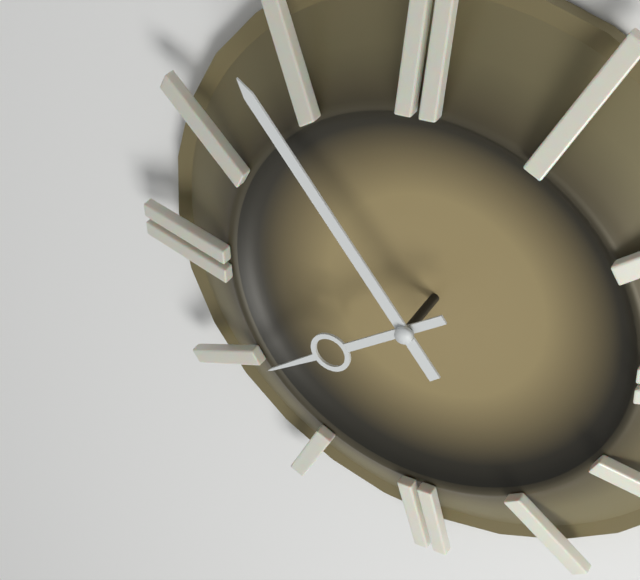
{"hour": 7, "minute": 54}
